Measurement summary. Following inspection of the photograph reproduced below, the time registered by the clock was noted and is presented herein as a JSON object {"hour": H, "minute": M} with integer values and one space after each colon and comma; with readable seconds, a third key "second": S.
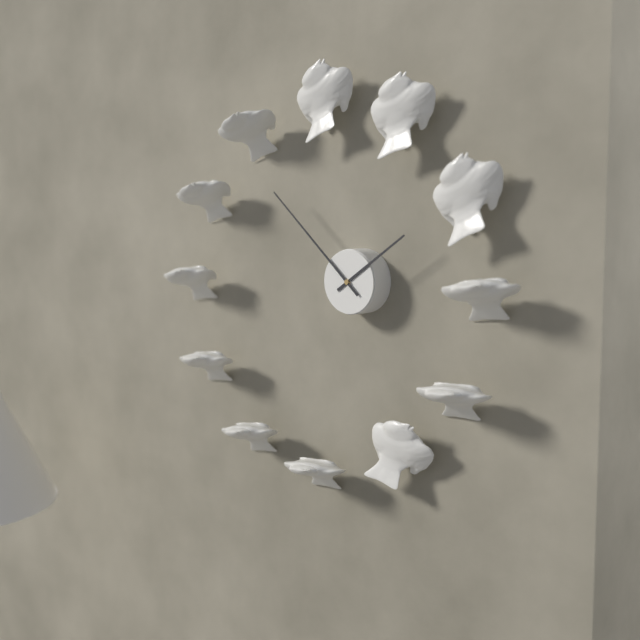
{"hour": 1, "minute": 52}
